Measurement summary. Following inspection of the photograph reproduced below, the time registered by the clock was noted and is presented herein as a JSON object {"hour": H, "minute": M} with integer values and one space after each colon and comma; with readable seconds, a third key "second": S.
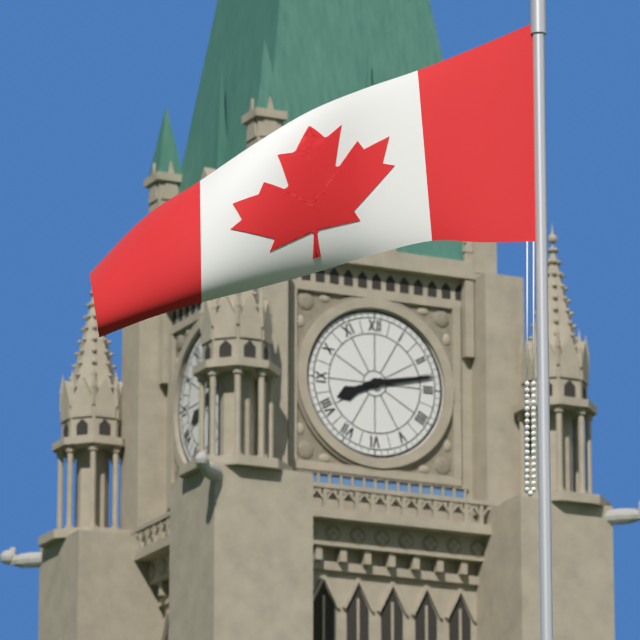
{"hour": 8, "minute": 13}
